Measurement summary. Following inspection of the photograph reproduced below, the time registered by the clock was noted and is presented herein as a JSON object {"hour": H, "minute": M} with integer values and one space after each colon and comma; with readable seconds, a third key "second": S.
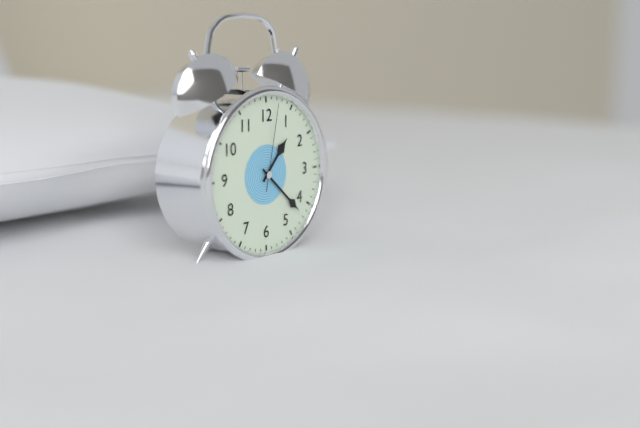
{"hour": 1, "minute": 22, "second": 2}
